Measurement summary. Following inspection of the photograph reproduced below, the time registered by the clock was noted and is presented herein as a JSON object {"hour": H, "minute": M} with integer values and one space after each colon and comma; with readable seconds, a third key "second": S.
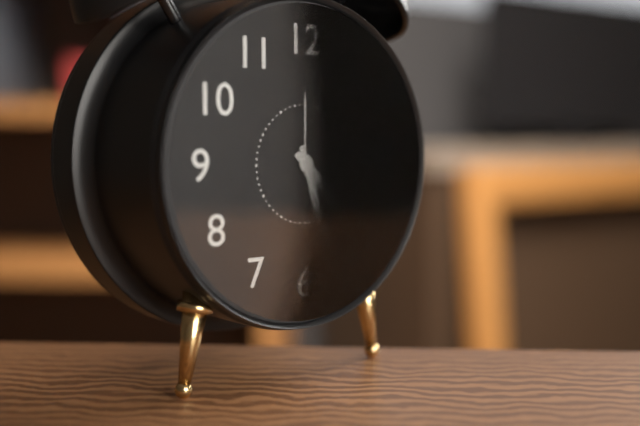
{"hour": 4, "minute": 27}
